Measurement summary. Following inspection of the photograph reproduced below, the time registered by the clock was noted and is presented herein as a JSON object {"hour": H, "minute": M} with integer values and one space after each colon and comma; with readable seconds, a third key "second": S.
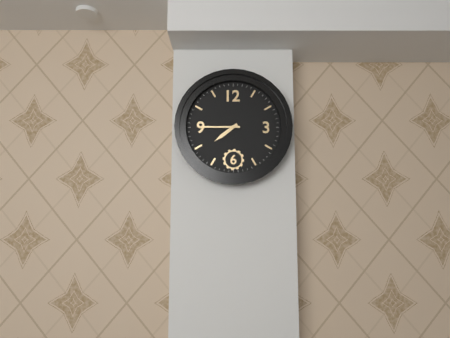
{"hour": 7, "minute": 45}
